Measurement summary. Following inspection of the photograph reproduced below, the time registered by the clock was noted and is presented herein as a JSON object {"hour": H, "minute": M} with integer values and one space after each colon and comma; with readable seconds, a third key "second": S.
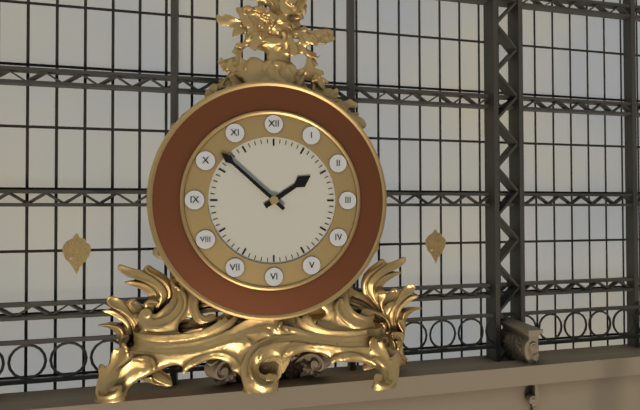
{"hour": 1, "minute": 52}
